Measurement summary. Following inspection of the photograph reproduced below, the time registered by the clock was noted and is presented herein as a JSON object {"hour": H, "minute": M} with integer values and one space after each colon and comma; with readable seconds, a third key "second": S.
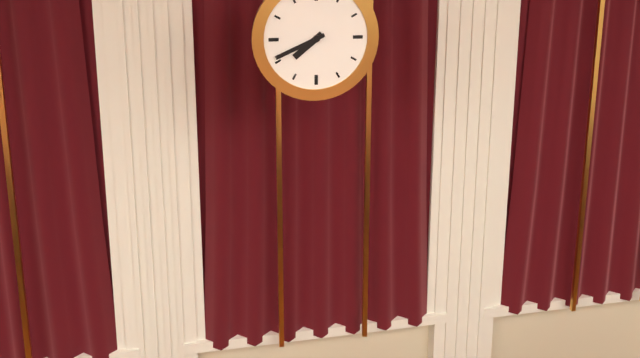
{"hour": 7, "minute": 41}
